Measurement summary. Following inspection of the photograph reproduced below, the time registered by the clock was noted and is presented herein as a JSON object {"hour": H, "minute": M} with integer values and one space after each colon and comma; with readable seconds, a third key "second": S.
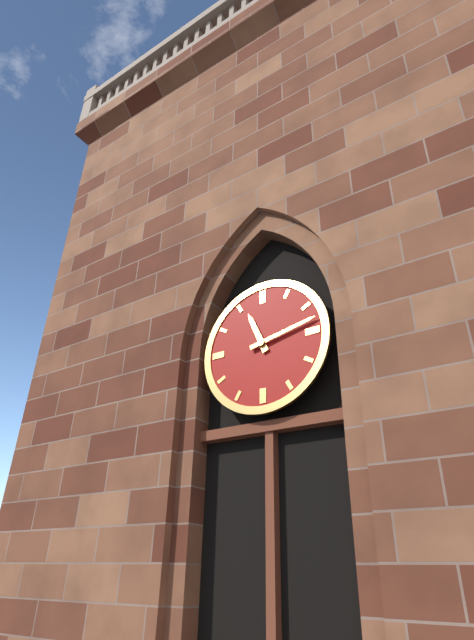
{"hour": 11, "minute": 13}
